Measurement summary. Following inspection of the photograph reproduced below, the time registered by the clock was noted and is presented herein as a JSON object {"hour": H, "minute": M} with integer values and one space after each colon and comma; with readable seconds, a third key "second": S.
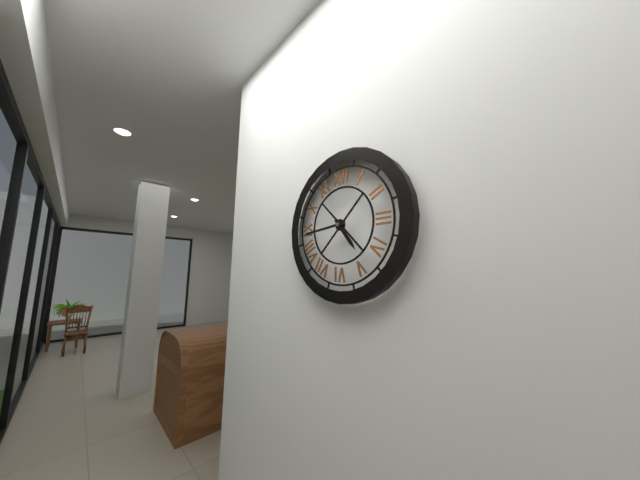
{"hour": 4, "minute": 44}
